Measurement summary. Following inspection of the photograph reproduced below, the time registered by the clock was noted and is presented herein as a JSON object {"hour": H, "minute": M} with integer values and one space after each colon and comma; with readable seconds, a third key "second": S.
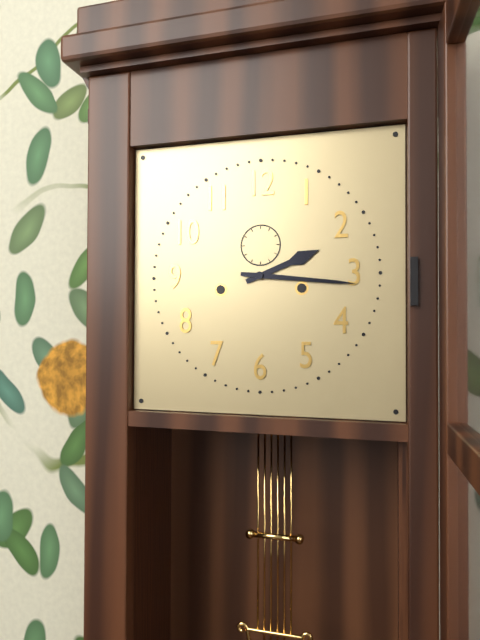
{"hour": 2, "minute": 16}
